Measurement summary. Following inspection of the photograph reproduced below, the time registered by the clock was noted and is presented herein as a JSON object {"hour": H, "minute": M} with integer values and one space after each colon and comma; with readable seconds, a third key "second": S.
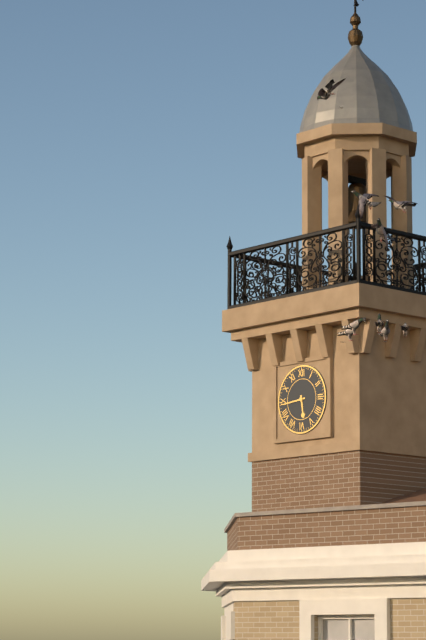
{"hour": 5, "minute": 44}
